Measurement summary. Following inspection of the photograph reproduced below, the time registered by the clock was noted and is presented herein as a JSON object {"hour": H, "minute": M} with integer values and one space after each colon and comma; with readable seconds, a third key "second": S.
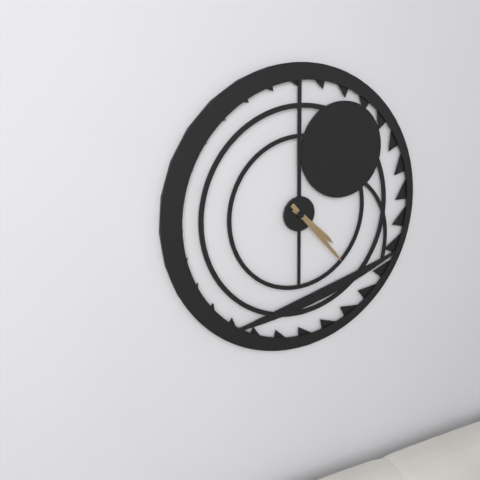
{"hour": 4, "minute": 23}
